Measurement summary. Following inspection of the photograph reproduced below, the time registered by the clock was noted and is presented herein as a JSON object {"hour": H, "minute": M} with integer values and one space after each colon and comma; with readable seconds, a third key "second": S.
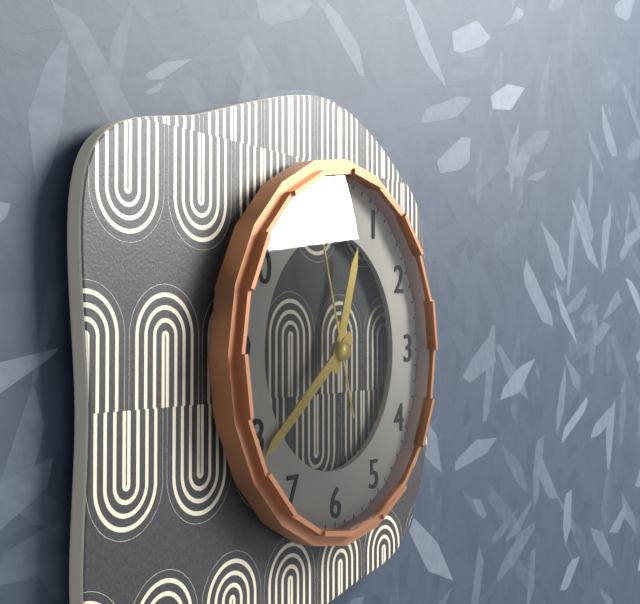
{"hour": 12, "minute": 39, "second": 57}
